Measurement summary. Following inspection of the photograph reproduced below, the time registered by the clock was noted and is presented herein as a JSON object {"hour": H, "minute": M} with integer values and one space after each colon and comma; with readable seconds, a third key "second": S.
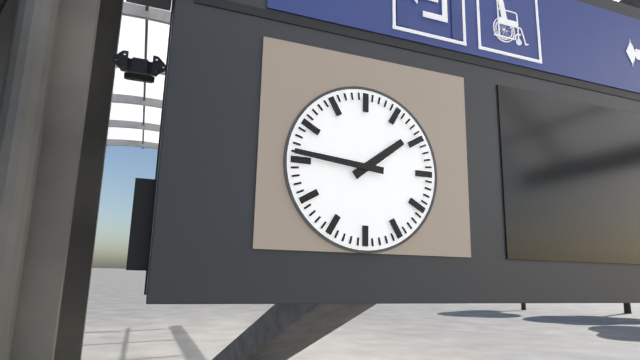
{"hour": 1, "minute": 46}
